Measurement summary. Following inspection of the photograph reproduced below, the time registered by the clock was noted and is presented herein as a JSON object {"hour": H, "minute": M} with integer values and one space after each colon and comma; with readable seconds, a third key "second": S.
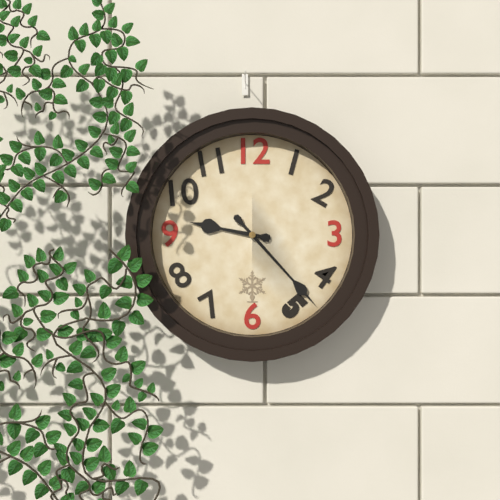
{"hour": 9, "minute": 23}
